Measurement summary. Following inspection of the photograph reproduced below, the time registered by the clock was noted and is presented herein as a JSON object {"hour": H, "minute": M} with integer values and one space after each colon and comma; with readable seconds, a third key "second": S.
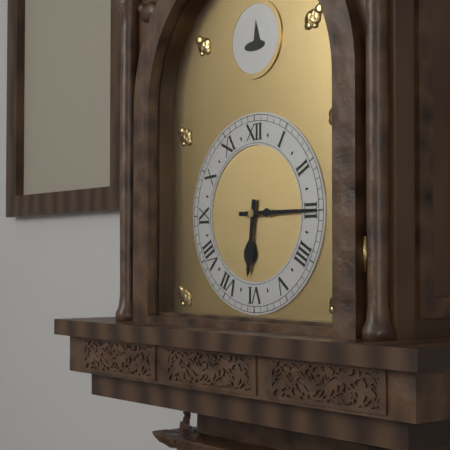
{"hour": 6, "minute": 15}
